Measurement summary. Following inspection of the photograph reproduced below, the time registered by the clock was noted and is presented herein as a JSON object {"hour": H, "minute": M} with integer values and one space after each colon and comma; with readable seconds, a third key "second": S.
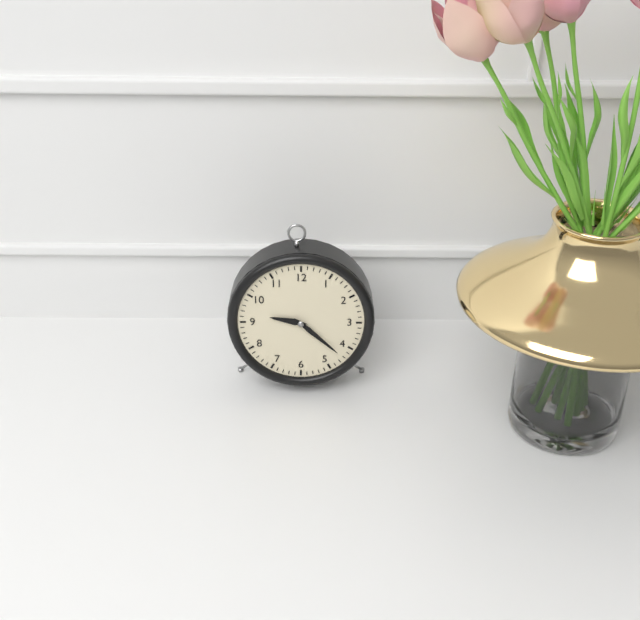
{"hour": 9, "minute": 22}
